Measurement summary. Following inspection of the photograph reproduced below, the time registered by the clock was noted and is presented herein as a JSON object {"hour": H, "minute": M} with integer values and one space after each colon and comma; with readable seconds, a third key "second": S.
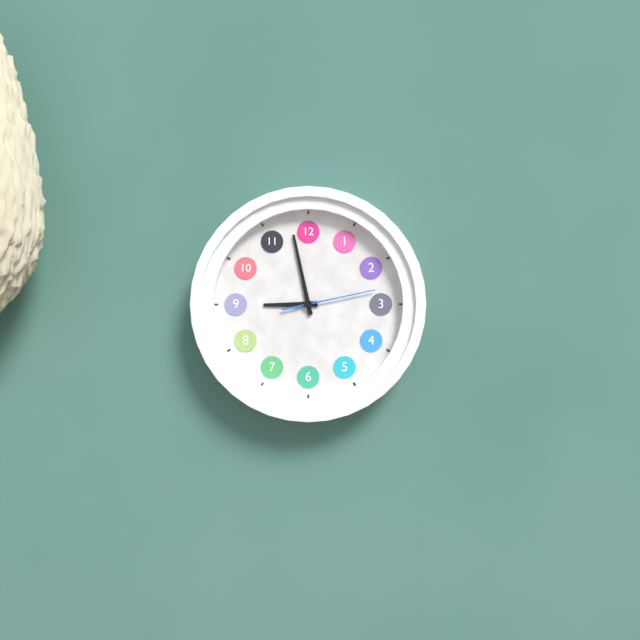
{"hour": 8, "minute": 58, "second": 13}
